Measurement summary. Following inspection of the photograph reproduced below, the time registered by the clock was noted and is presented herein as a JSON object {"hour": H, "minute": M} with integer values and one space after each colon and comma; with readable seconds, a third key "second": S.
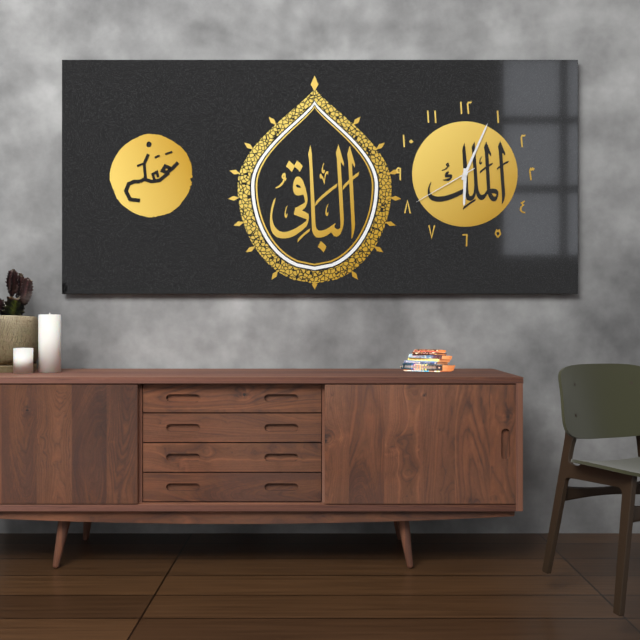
{"hour": 6, "minute": 4, "second": 40}
